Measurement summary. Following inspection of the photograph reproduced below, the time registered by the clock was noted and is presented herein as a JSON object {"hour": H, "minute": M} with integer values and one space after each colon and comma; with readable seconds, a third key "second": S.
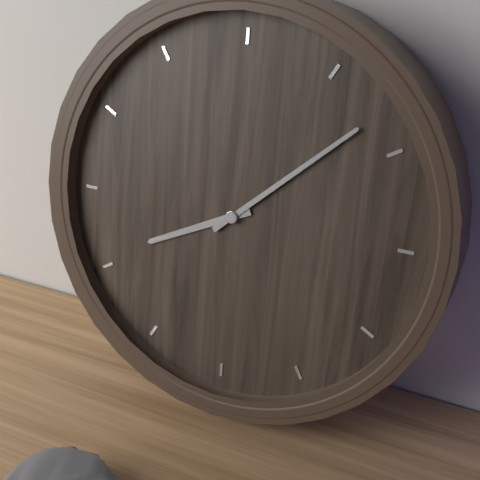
{"hour": 8, "minute": 8}
